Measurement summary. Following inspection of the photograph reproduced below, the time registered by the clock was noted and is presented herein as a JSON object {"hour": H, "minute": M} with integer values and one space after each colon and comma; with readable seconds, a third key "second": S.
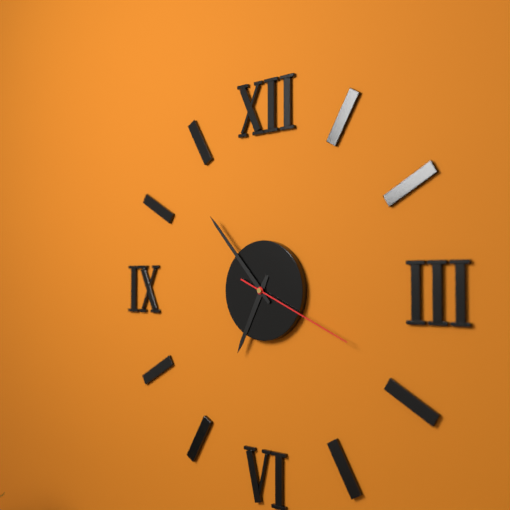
{"hour": 6, "minute": 53, "second": 19}
